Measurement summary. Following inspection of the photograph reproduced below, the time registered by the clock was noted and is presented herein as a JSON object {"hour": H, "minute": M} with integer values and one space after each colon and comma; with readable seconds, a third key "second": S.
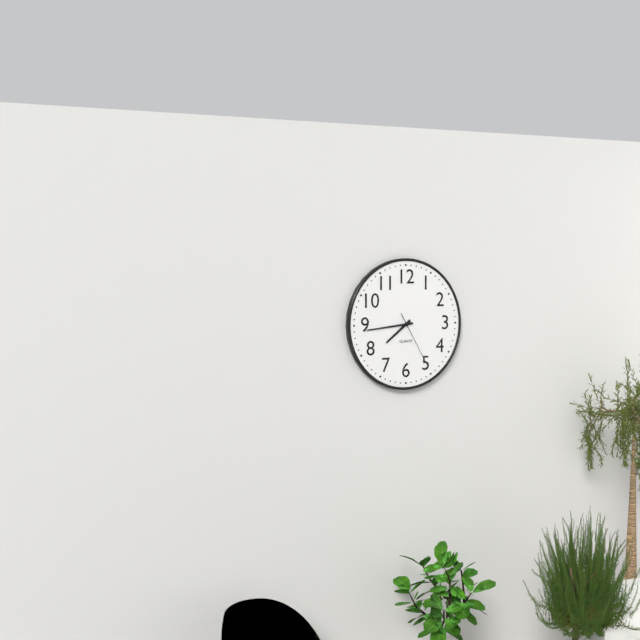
{"hour": 7, "minute": 44, "second": 25}
